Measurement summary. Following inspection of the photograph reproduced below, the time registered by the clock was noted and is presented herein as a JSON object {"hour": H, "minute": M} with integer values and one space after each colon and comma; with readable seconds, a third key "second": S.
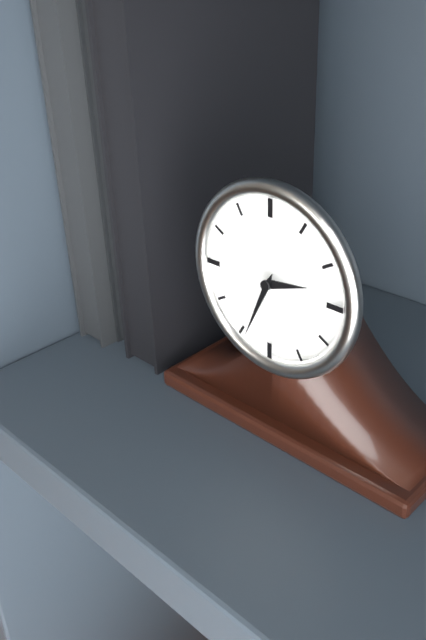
{"hour": 2, "minute": 34}
